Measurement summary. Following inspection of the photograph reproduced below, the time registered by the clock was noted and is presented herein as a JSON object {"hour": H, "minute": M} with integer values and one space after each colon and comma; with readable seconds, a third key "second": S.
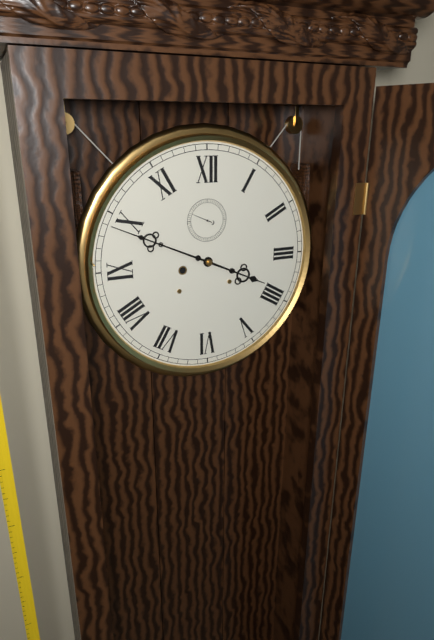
{"hour": 3, "minute": 49}
